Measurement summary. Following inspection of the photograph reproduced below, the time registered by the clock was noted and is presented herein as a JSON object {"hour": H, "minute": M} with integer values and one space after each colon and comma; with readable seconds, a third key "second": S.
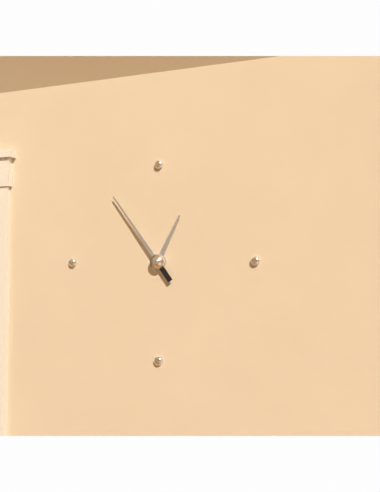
{"hour": 12, "minute": 54}
